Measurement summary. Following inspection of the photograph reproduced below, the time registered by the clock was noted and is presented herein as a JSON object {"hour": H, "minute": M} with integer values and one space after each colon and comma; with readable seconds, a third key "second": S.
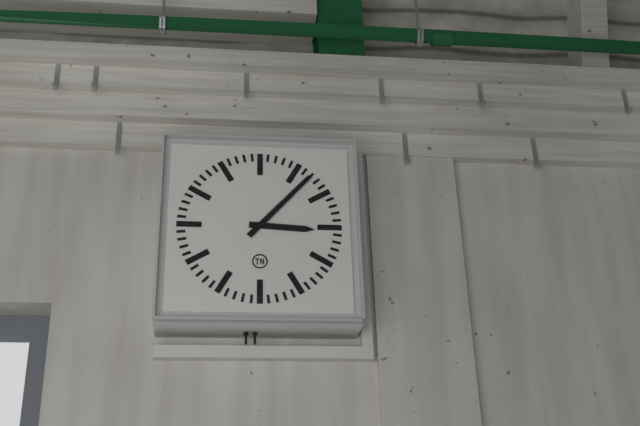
{"hour": 3, "minute": 7}
